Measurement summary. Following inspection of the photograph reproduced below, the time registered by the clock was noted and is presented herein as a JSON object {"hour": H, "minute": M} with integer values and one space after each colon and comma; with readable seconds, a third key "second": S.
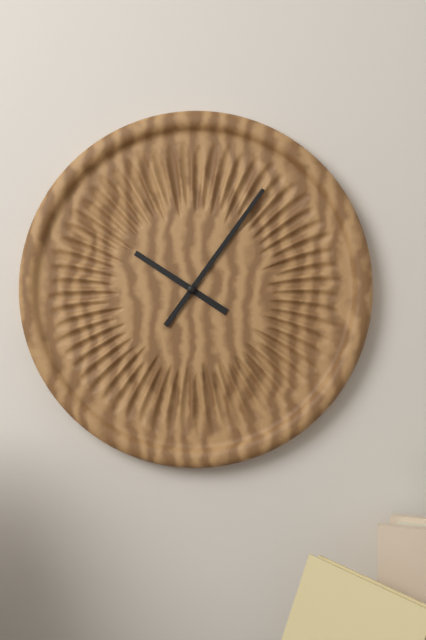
{"hour": 10, "minute": 6}
